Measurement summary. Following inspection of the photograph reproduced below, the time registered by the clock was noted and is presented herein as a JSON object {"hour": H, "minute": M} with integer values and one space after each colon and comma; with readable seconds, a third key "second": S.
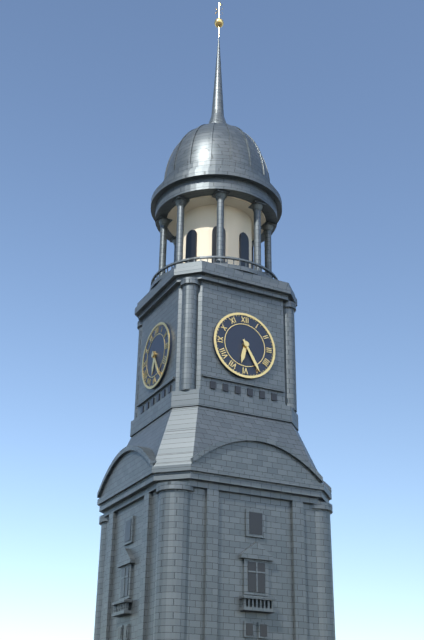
{"hour": 6, "minute": 25}
